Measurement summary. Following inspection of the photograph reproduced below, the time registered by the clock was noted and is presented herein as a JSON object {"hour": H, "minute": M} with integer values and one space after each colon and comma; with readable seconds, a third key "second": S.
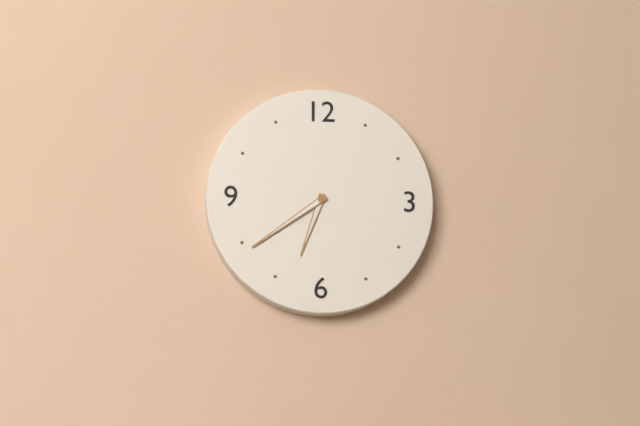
{"hour": 6, "minute": 39}
